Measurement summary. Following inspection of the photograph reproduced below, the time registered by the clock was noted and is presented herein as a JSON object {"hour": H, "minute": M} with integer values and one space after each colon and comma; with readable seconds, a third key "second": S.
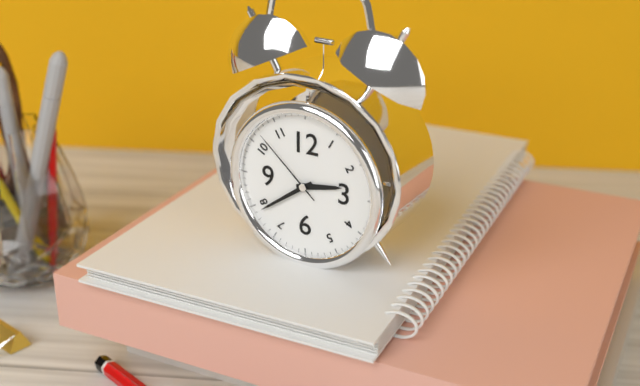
{"hour": 2, "minute": 39, "second": 52}
